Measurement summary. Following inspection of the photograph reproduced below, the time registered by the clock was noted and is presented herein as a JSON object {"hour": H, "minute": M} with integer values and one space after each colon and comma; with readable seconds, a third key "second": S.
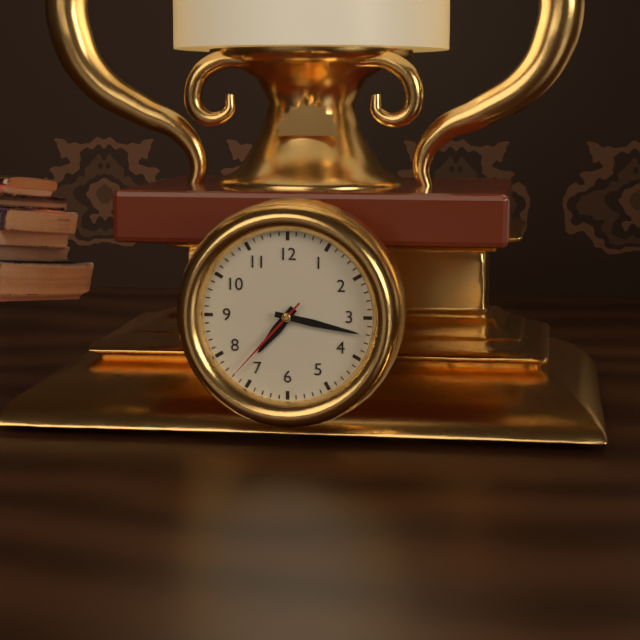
{"hour": 7, "minute": 17, "second": 37}
